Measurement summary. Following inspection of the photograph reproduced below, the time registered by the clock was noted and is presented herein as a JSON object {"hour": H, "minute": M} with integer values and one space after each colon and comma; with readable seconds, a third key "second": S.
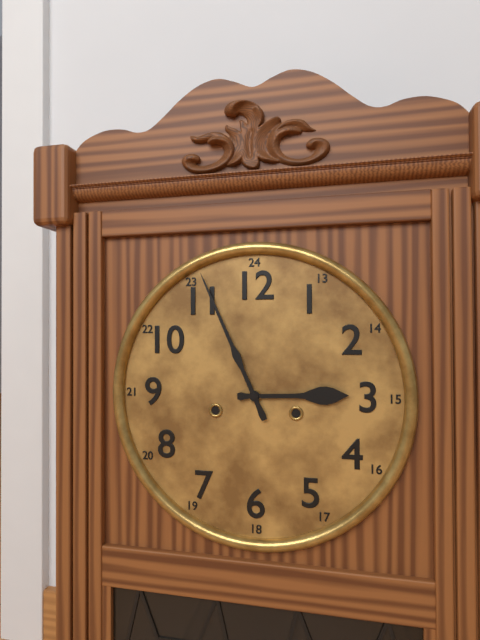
{"hour": 2, "minute": 56}
